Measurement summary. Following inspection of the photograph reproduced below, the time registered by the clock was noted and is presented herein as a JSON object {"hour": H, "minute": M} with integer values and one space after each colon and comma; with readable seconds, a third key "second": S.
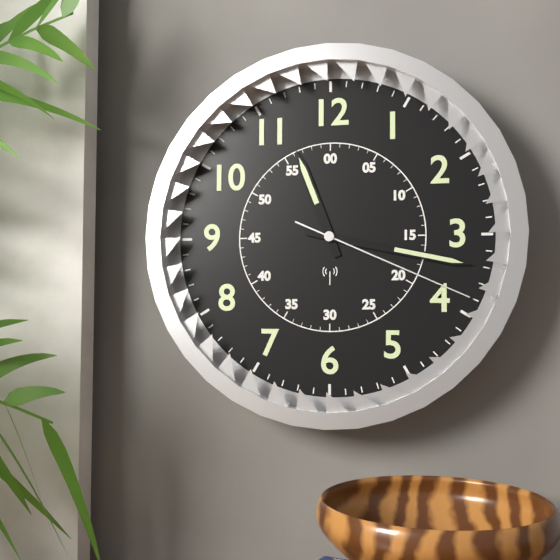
{"hour": 11, "minute": 17, "second": 19}
